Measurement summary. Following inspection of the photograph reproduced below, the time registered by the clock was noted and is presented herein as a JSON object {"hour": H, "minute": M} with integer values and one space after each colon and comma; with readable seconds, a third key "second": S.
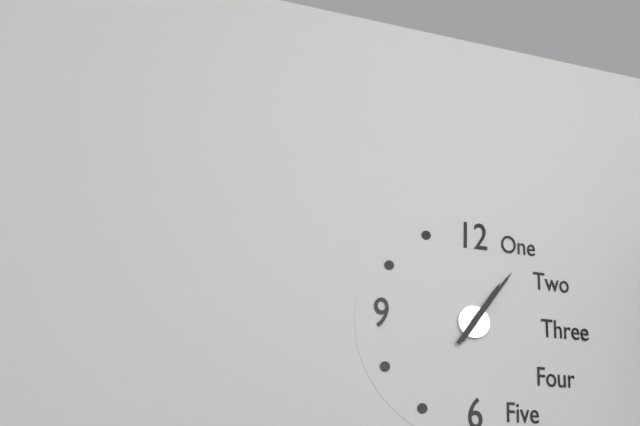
{"hour": 1, "minute": 6}
